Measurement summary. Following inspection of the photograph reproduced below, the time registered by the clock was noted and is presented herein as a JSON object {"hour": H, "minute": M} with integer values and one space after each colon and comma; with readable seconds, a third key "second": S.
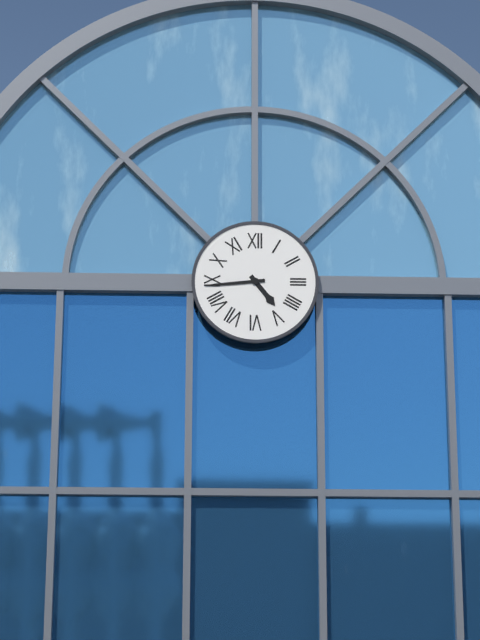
{"hour": 4, "minute": 44}
